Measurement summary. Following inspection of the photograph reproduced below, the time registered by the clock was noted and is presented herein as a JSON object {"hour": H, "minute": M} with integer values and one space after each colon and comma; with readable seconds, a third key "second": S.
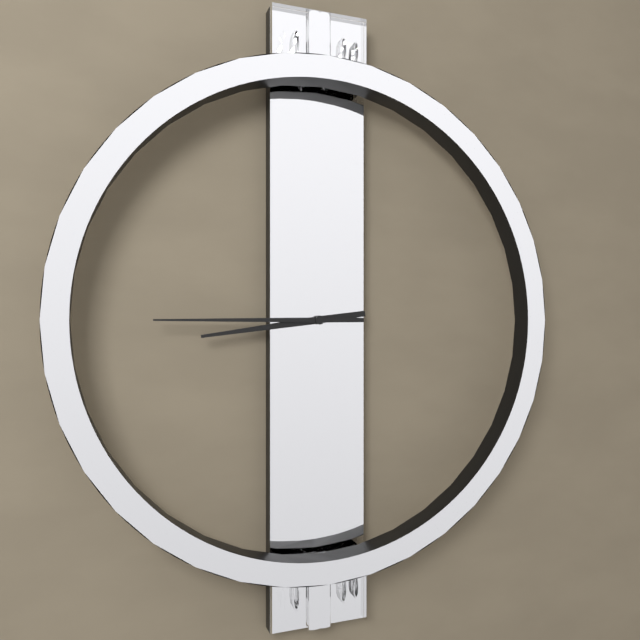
{"hour": 8, "minute": 45}
